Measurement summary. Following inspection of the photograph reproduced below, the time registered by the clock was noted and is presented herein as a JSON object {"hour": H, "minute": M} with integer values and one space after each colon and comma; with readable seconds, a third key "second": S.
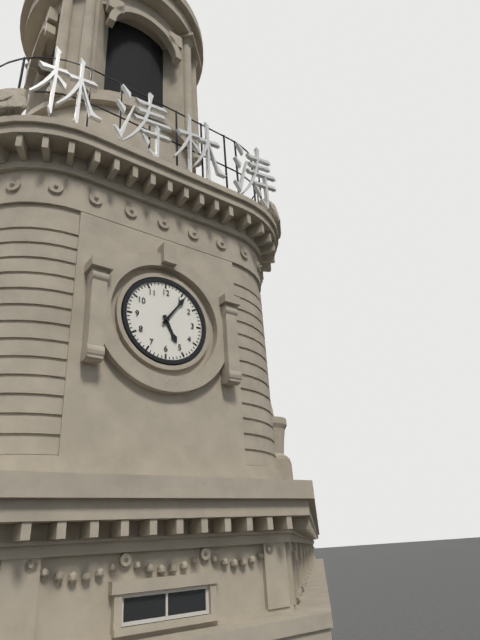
{"hour": 5, "minute": 6}
